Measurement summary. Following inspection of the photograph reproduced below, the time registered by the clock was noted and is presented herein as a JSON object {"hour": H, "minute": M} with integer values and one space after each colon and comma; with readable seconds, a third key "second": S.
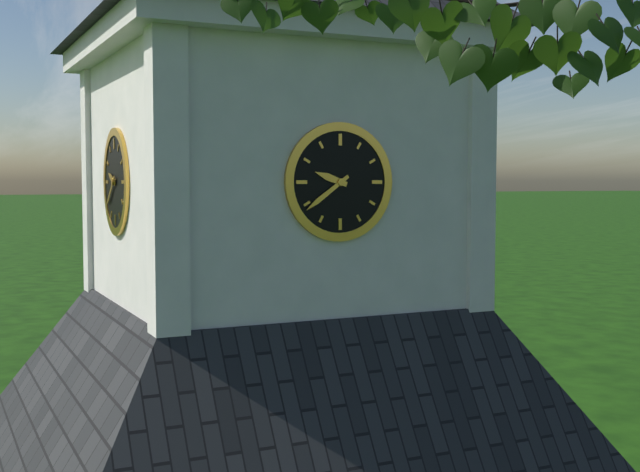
{"hour": 9, "minute": 39}
